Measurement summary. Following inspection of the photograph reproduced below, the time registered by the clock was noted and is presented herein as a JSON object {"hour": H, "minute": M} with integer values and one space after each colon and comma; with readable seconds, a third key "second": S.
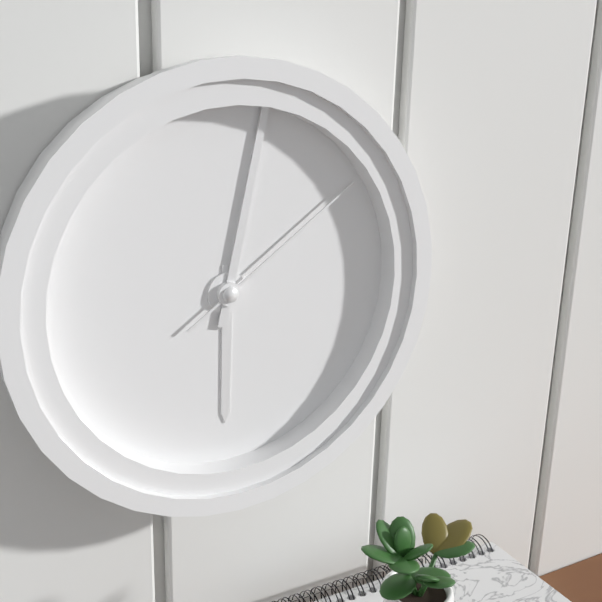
{"hour": 6, "minute": 2, "second": 9}
